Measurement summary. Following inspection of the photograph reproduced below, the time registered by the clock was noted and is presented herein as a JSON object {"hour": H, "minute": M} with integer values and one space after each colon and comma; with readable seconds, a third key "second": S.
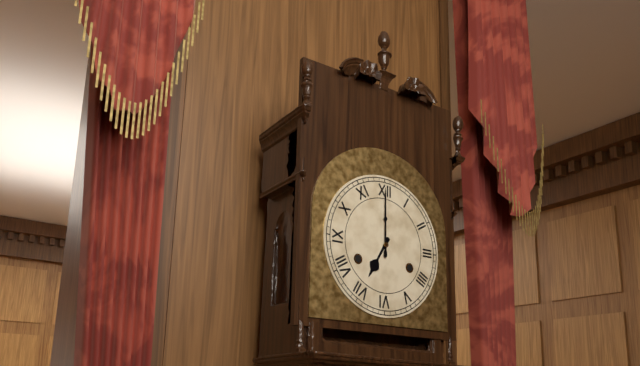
{"hour": 7, "minute": 0}
